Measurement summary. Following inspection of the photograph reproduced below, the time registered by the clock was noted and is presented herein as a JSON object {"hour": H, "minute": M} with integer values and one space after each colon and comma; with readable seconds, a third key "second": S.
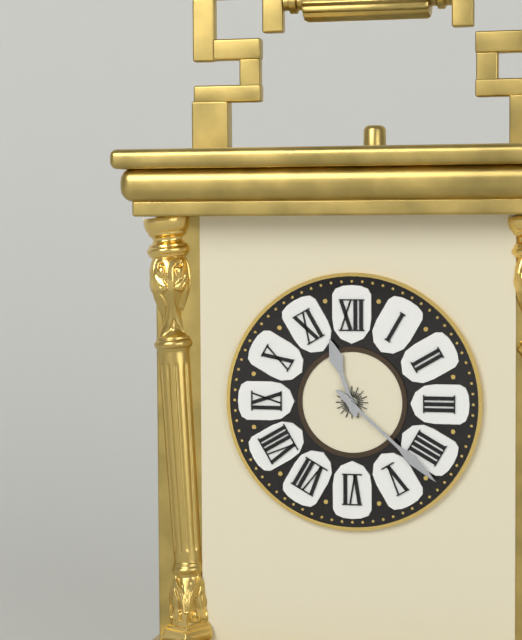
{"hour": 11, "minute": 22}
